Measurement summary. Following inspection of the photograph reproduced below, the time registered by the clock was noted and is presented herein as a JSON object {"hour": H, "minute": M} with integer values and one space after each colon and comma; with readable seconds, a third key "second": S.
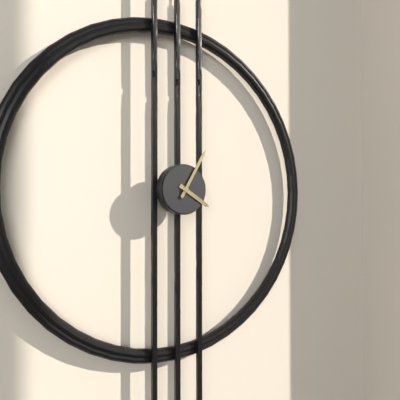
{"hour": 4, "minute": 5}
